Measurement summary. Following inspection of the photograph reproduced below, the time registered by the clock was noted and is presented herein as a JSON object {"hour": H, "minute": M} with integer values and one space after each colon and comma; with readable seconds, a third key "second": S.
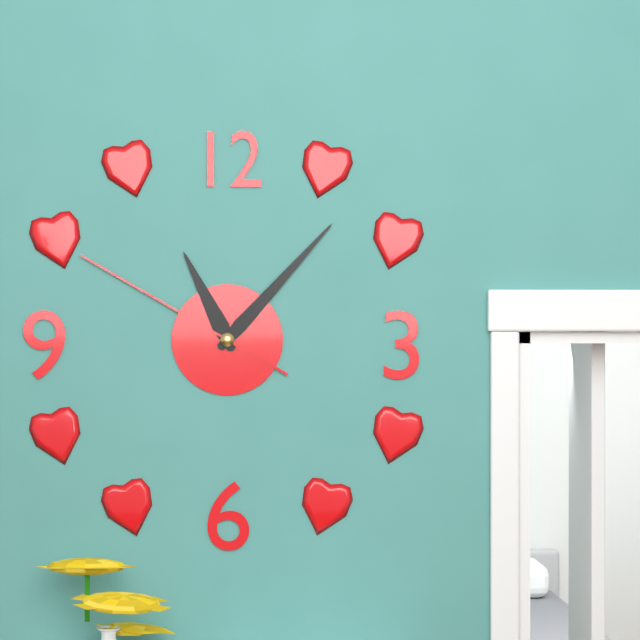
{"hour": 11, "minute": 7, "second": 50}
